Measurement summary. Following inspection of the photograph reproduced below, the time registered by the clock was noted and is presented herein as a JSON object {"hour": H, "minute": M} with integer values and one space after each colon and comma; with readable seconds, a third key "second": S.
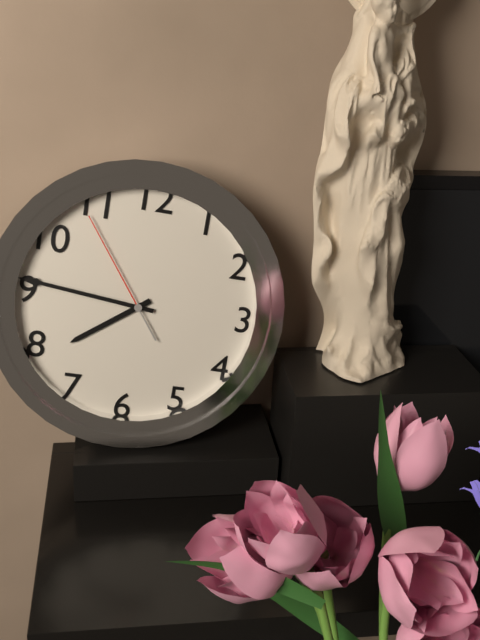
{"hour": 7, "minute": 46, "second": 54}
